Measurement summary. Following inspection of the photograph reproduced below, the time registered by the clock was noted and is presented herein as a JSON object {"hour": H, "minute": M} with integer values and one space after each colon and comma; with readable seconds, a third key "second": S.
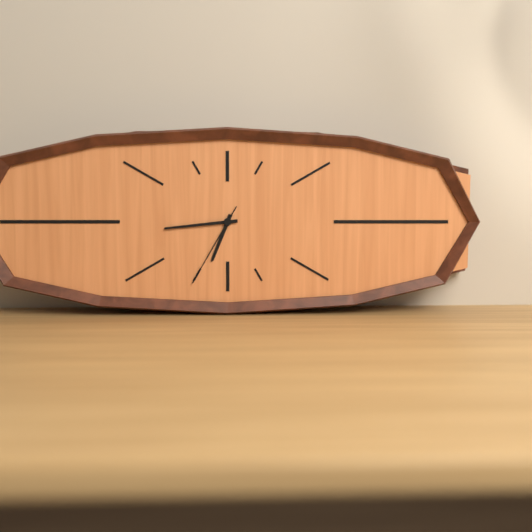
{"hour": 6, "minute": 44, "second": 35}
